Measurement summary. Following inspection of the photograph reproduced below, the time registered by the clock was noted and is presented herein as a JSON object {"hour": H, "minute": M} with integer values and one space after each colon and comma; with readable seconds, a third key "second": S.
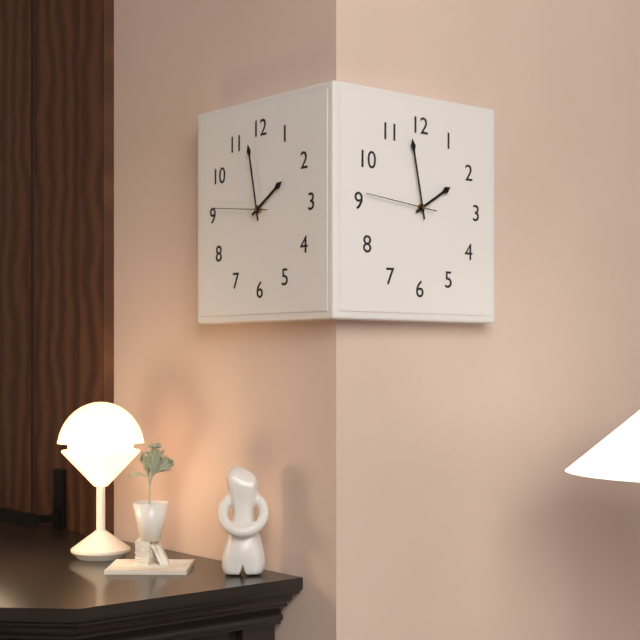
{"hour": 1, "minute": 58, "second": 46}
